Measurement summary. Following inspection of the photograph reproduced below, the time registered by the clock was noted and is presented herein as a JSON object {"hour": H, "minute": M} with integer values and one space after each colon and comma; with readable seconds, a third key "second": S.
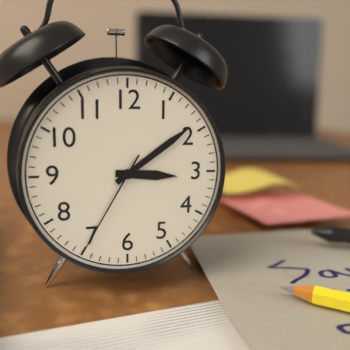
{"hour": 3, "minute": 9, "second": 35}
